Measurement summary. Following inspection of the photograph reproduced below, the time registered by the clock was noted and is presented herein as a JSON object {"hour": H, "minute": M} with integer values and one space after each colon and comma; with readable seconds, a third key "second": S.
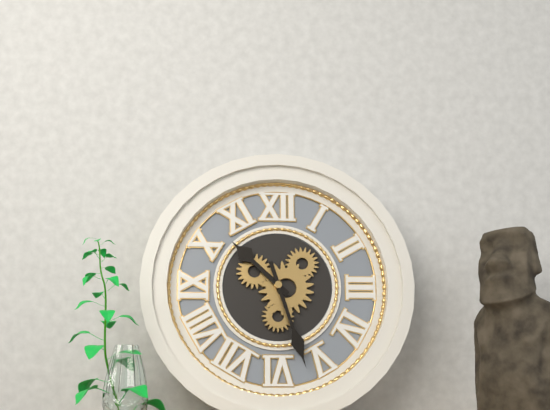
{"hour": 10, "minute": 27}
